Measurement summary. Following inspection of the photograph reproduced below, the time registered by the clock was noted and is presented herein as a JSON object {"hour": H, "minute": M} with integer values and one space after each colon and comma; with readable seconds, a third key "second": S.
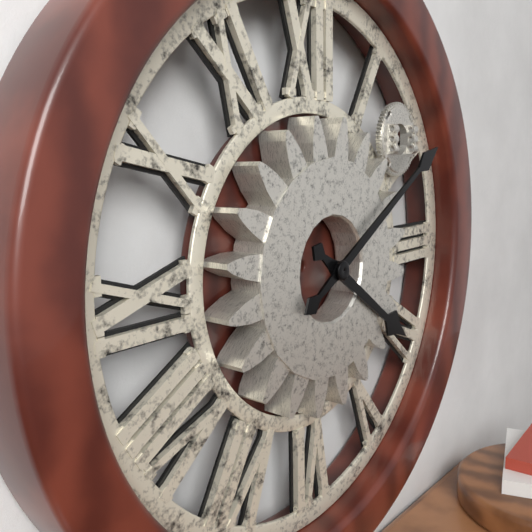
{"hour": 4, "minute": 10}
